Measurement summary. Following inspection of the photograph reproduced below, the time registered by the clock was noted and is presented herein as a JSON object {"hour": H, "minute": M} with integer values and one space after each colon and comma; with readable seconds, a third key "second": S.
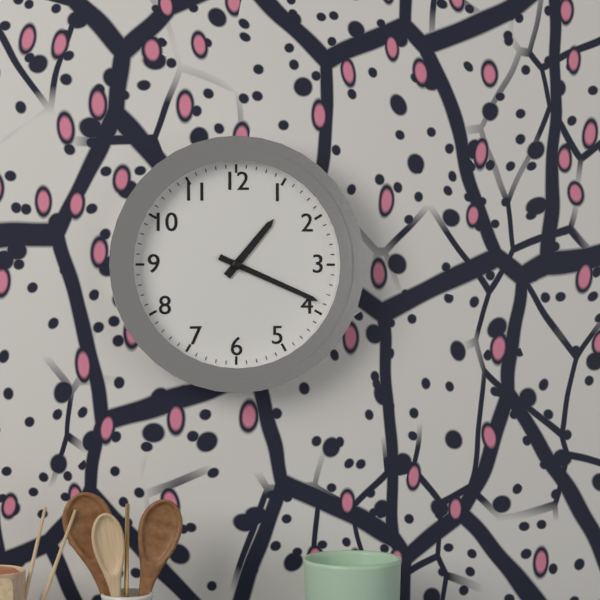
{"hour": 1, "minute": 19}
